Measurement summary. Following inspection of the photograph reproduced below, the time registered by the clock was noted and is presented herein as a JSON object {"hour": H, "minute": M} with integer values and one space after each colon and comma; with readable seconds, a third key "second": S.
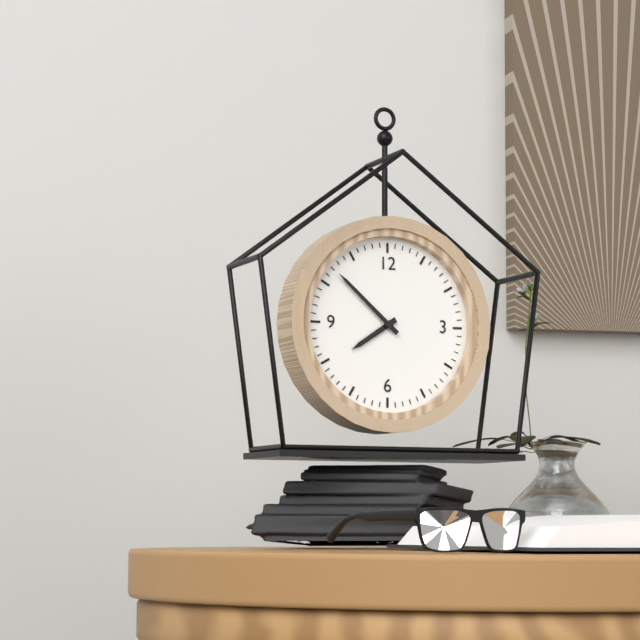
{"hour": 7, "minute": 52}
